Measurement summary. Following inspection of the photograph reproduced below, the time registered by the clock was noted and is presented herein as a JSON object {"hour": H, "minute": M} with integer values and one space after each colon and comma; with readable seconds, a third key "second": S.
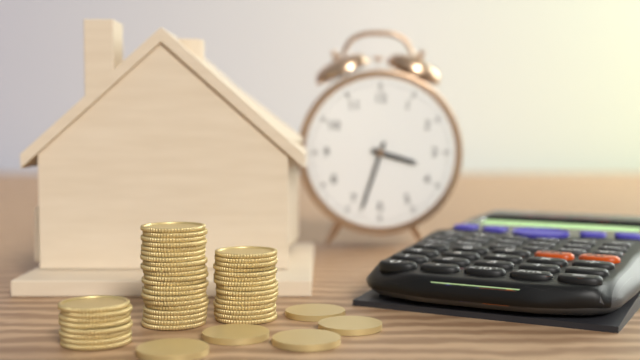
{"hour": 3, "minute": 33}
